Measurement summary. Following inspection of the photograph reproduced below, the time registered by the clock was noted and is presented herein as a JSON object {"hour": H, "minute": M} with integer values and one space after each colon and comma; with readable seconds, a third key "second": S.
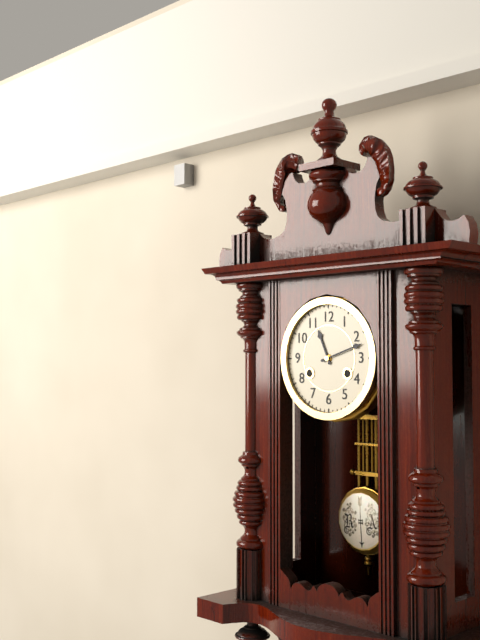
{"hour": 11, "minute": 12}
